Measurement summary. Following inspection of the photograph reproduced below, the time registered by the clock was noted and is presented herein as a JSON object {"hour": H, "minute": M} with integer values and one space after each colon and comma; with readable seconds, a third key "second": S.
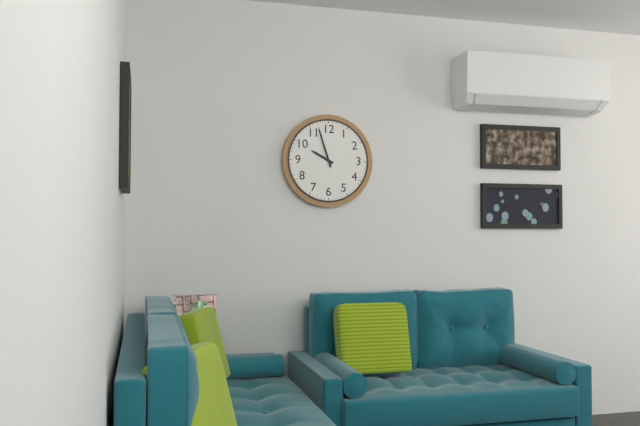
{"hour": 9, "minute": 57}
